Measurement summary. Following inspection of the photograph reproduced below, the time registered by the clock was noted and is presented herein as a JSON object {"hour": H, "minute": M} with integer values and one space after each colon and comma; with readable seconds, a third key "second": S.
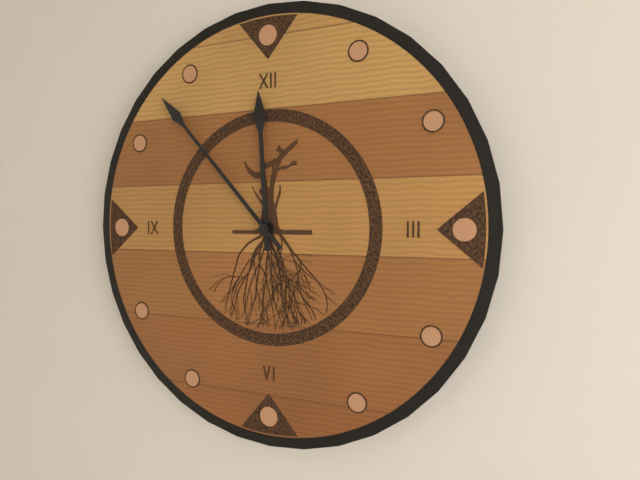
{"hour": 11, "minute": 53}
